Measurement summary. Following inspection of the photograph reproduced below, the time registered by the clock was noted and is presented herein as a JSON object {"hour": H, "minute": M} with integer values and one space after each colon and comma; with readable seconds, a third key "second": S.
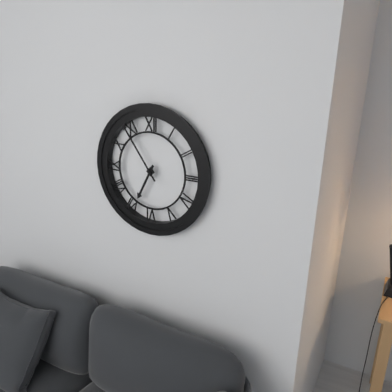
{"hour": 6, "minute": 54}
